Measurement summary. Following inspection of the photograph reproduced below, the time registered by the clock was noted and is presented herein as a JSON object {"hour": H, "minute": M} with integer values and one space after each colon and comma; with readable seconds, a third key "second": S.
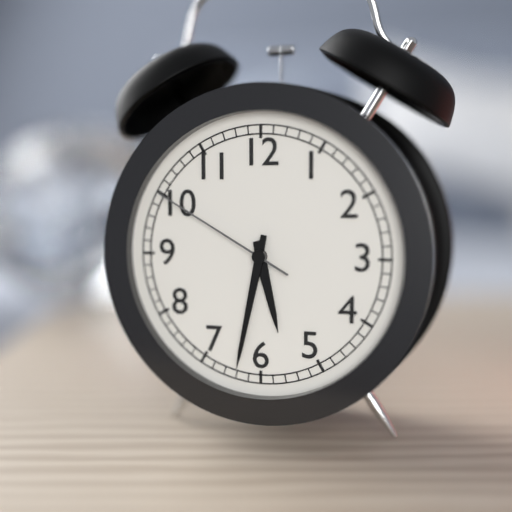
{"hour": 5, "minute": 32, "second": 50}
